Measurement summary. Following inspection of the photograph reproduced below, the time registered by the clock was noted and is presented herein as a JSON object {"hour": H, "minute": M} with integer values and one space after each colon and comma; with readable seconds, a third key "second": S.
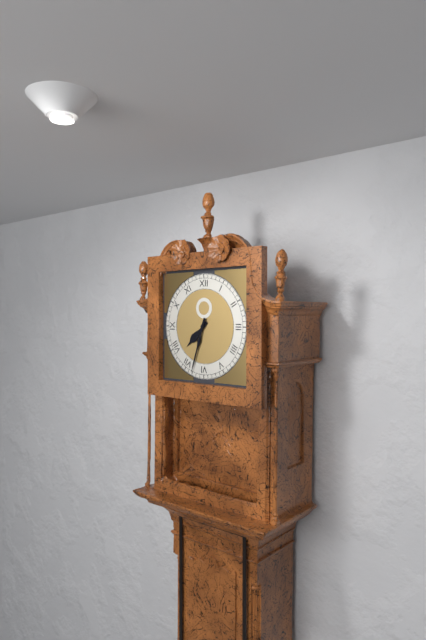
{"hour": 7, "minute": 33}
